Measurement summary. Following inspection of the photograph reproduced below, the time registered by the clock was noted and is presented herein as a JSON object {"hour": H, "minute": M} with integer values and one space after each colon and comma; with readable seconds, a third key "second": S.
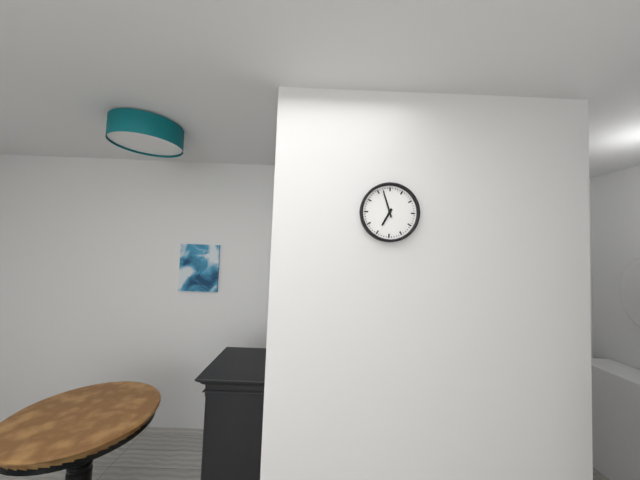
{"hour": 6, "minute": 57}
